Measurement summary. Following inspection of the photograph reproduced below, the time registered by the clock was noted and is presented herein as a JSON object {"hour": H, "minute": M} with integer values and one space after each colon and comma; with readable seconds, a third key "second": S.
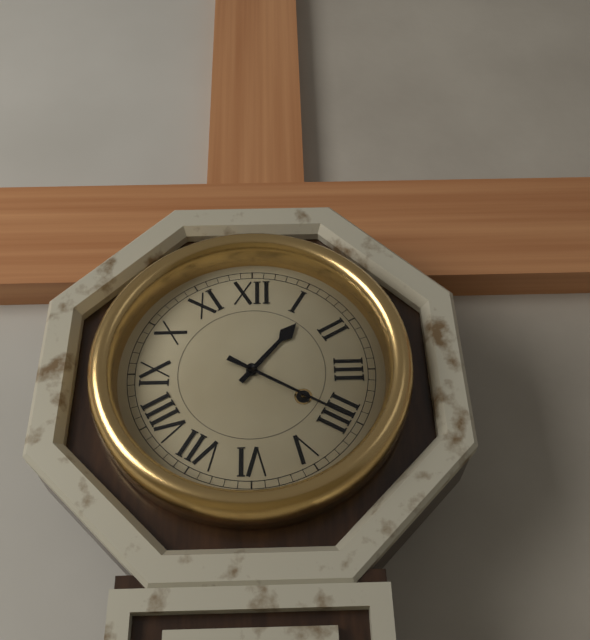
{"hour": 1, "minute": 20}
